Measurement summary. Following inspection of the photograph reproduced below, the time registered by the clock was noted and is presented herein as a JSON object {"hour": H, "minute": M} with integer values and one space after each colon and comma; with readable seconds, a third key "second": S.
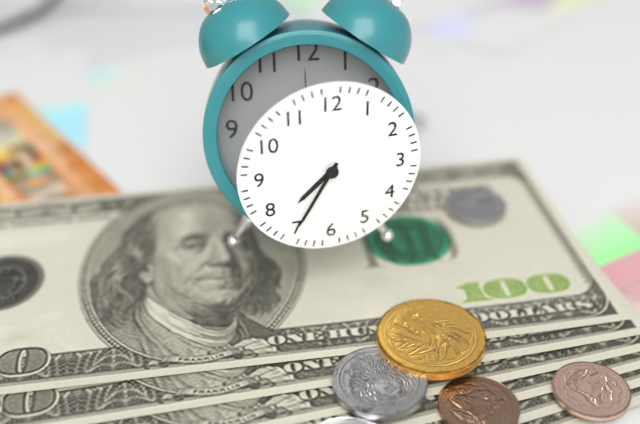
{"hour": 7, "minute": 35}
